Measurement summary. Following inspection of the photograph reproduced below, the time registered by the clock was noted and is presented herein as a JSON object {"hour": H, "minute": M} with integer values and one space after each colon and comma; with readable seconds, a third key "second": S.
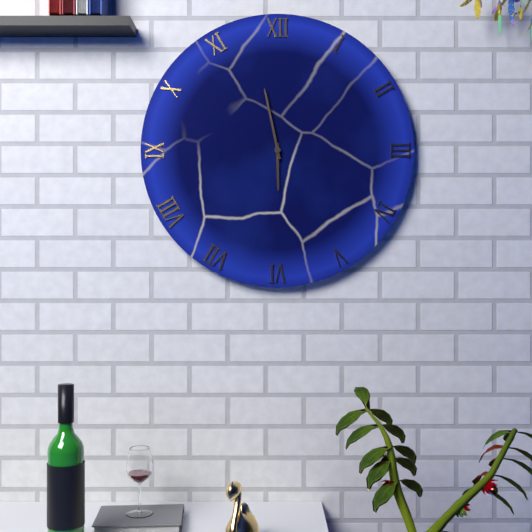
{"hour": 5, "minute": 58}
